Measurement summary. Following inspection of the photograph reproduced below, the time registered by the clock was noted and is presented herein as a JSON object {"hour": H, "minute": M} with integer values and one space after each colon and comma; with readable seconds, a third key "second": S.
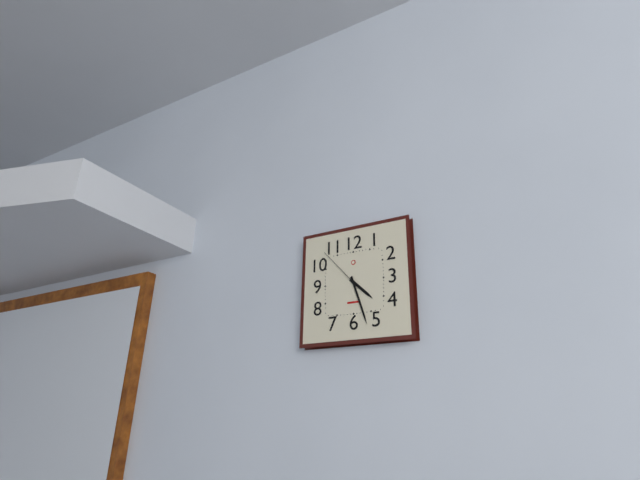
{"hour": 4, "minute": 27, "second": 53}
